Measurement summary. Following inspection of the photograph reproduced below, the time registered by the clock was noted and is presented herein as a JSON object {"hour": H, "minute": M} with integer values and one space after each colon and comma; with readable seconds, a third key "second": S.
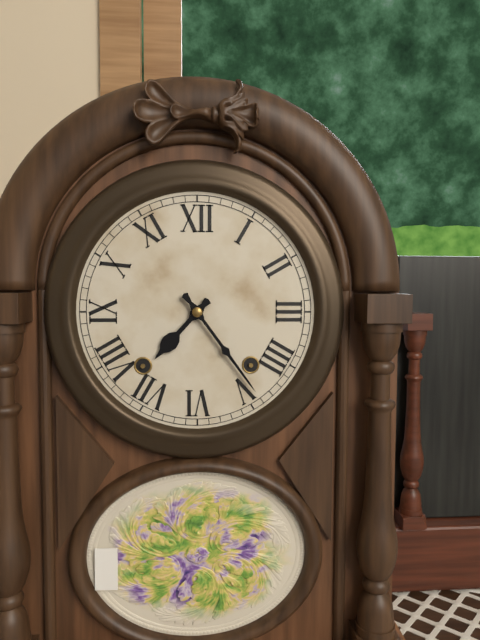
{"hour": 7, "minute": 24}
